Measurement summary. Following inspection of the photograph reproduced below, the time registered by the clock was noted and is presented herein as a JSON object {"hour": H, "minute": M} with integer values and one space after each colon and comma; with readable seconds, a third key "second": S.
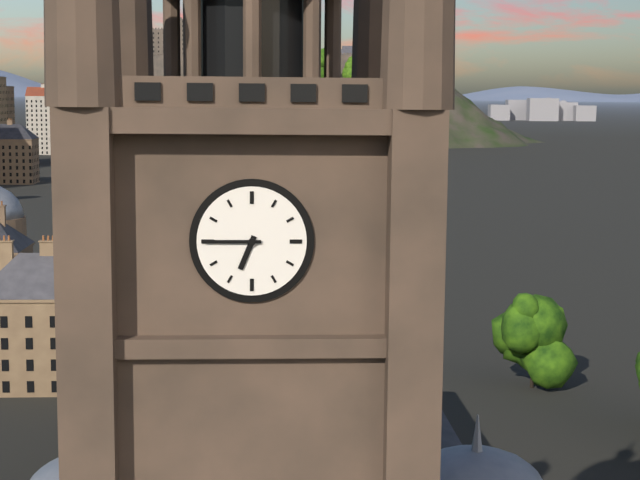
{"hour": 6, "minute": 45}
